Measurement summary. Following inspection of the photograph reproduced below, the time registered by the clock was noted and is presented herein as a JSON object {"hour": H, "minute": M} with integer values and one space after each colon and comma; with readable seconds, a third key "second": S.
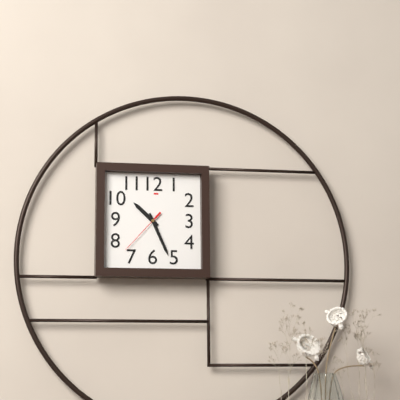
{"hour": 10, "minute": 26}
